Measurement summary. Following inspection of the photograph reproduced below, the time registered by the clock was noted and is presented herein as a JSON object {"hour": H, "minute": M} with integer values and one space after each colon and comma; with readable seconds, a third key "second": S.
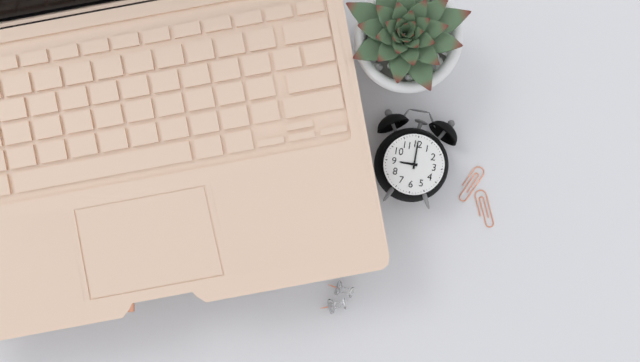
{"hour": 9, "minute": 0}
